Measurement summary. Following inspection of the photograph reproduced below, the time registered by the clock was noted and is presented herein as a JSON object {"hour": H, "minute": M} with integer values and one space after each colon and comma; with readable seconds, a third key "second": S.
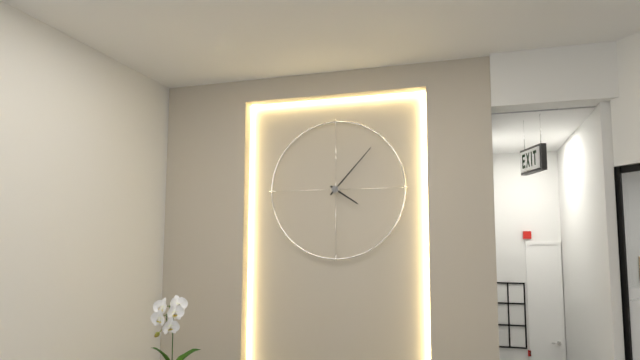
{"hour": 4, "minute": 7}
